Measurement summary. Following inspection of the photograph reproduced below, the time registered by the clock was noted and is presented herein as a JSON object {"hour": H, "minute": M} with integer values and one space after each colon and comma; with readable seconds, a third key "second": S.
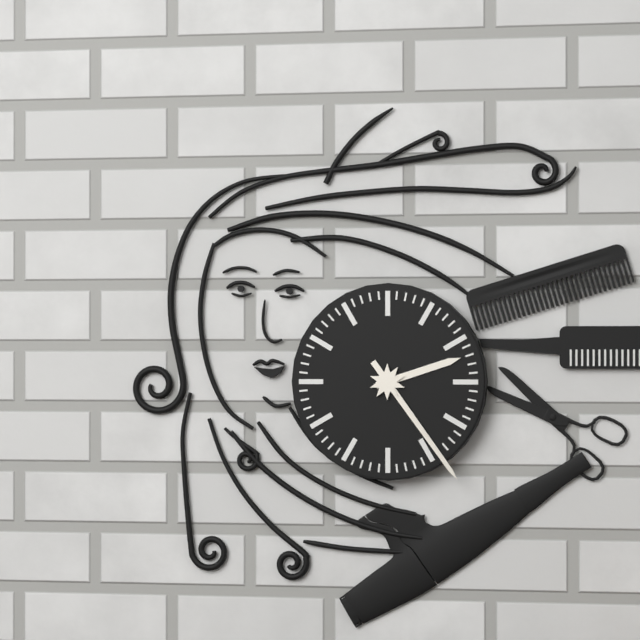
{"hour": 2, "minute": 24}
